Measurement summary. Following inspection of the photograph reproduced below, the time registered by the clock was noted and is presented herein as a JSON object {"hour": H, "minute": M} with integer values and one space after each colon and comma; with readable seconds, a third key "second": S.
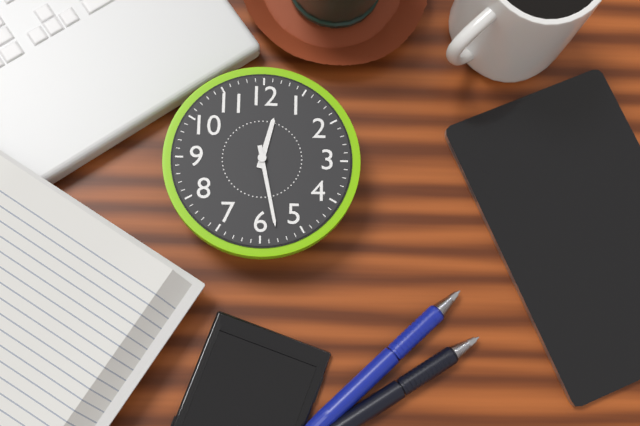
{"hour": 12, "minute": 28}
